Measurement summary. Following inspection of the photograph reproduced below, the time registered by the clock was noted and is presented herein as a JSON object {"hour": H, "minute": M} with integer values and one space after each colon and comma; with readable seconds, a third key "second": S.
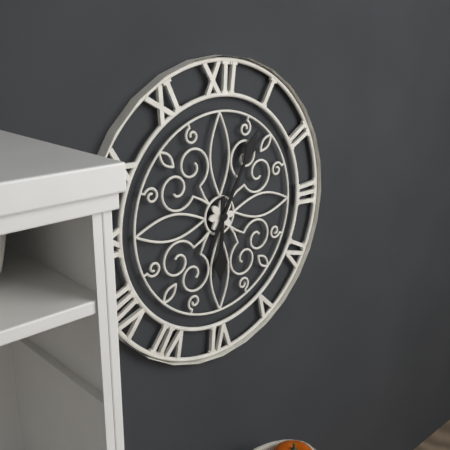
{"hour": 6, "minute": 5}
